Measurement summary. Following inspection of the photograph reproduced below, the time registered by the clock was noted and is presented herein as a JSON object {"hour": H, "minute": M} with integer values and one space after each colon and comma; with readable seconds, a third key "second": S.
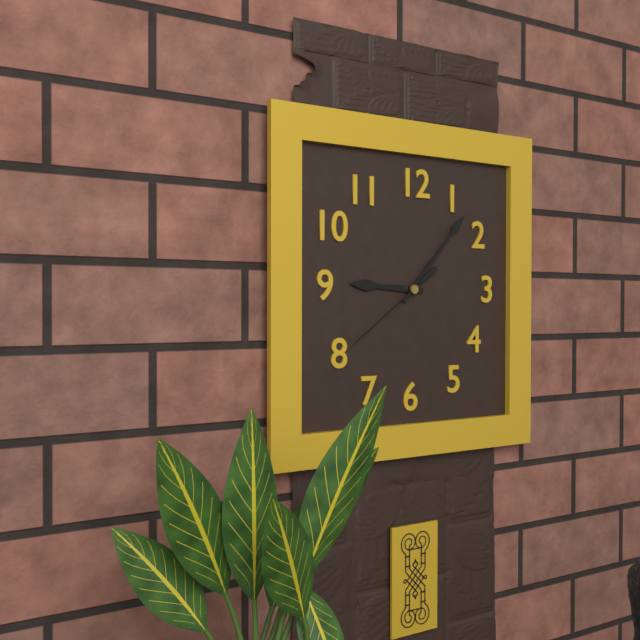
{"hour": 9, "minute": 7, "second": 39}
